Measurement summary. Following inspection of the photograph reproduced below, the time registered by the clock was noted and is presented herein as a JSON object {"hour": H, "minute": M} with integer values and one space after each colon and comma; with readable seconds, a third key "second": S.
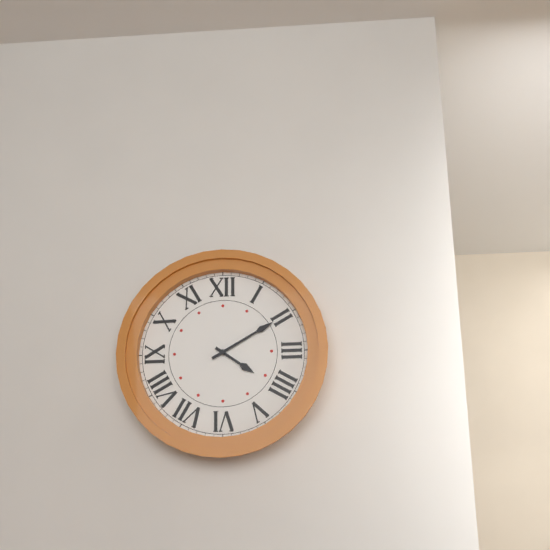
{"hour": 4, "minute": 10}
